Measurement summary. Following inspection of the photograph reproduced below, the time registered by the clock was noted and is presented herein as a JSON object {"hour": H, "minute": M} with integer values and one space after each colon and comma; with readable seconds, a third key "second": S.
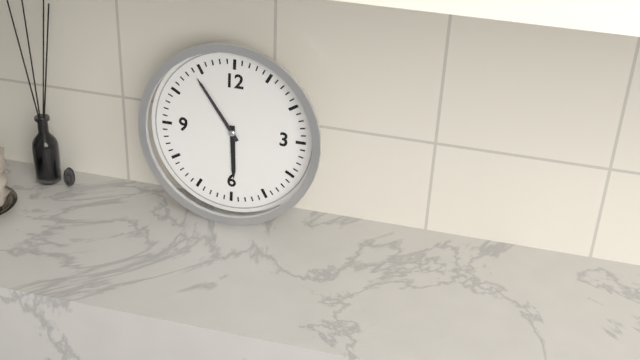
{"hour": 5, "minute": 54}
